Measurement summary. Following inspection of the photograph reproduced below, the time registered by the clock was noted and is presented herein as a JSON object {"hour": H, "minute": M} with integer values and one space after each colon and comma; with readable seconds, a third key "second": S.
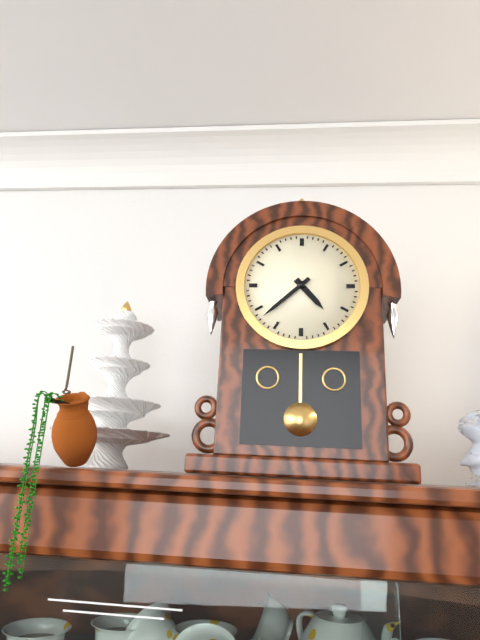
{"hour": 4, "minute": 38}
